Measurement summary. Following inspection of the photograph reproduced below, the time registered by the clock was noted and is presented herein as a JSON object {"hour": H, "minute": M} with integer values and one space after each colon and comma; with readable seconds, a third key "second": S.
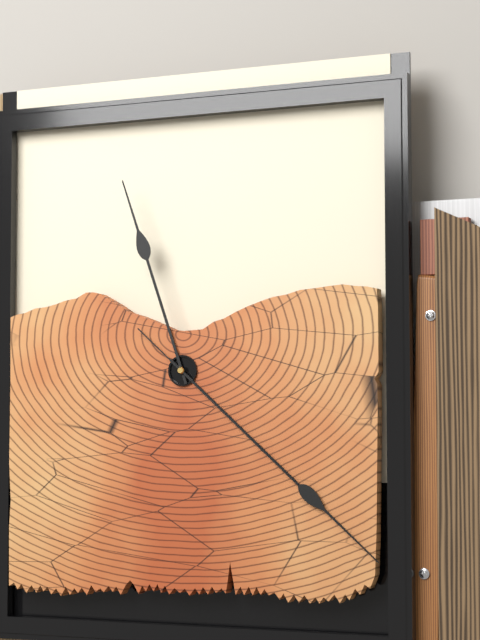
{"hour": 11, "minute": 22, "second": 22}
